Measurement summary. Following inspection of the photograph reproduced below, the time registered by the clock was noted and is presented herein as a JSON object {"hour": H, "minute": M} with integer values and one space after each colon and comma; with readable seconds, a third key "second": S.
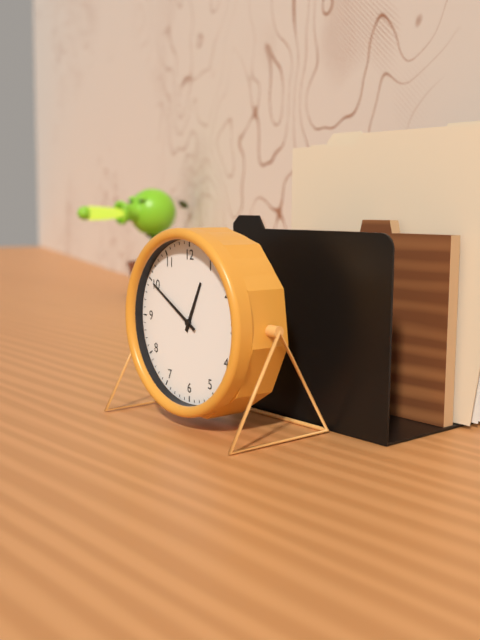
{"hour": 12, "minute": 50}
